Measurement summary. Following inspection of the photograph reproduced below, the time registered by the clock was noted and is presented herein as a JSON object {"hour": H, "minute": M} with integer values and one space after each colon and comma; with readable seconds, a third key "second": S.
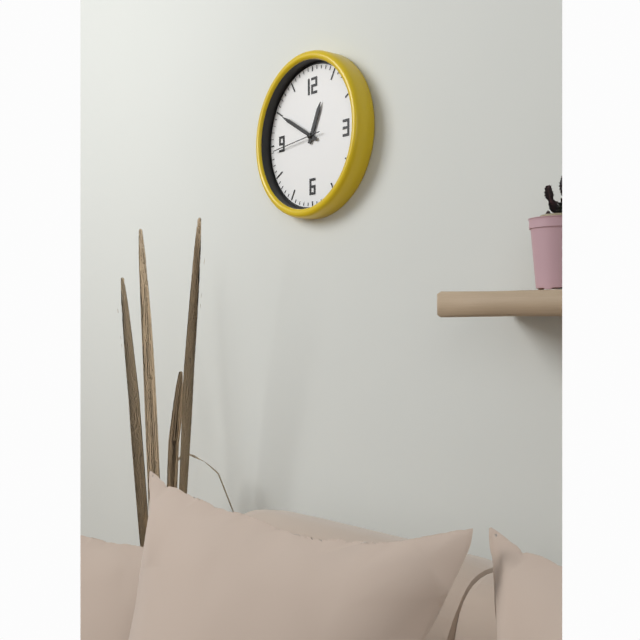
{"hour": 12, "minute": 50}
